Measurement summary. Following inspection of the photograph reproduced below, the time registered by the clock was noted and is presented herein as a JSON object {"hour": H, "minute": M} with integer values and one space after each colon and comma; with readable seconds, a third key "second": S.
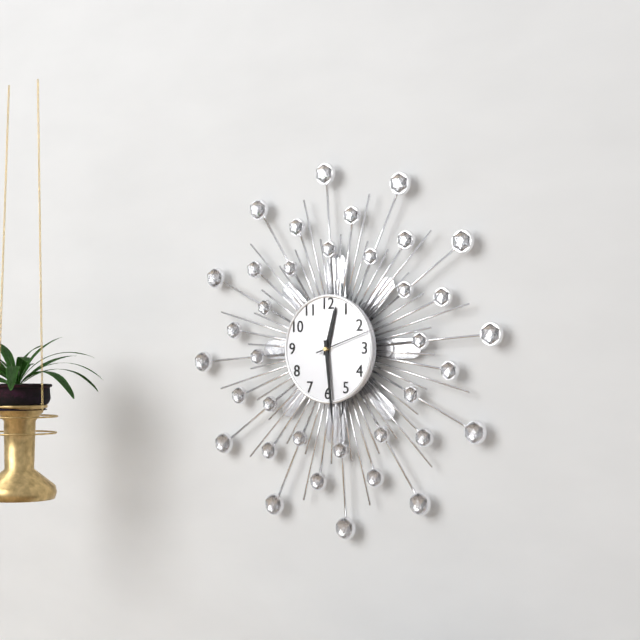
{"hour": 12, "minute": 29, "second": 12}
